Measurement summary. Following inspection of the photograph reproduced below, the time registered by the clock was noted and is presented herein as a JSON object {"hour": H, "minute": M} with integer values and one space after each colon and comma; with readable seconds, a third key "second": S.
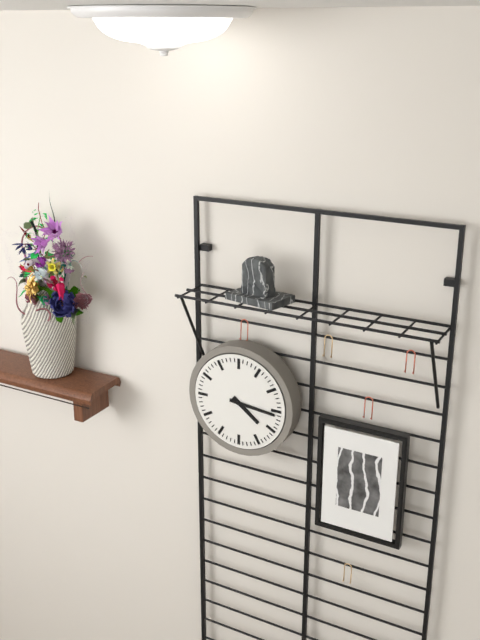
{"hour": 4, "minute": 16}
